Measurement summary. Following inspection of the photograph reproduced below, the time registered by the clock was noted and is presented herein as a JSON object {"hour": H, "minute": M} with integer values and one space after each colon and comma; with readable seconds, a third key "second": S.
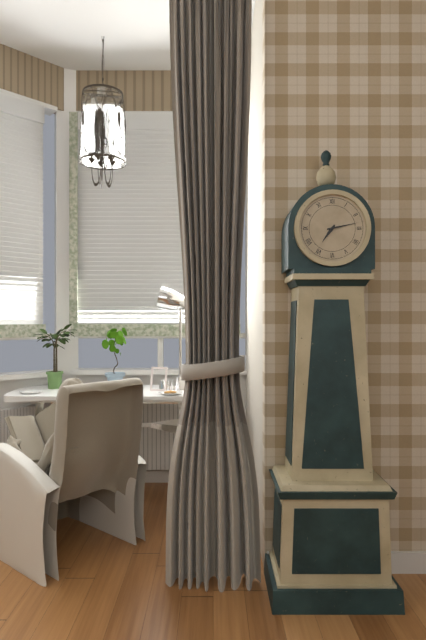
{"hour": 7, "minute": 13}
